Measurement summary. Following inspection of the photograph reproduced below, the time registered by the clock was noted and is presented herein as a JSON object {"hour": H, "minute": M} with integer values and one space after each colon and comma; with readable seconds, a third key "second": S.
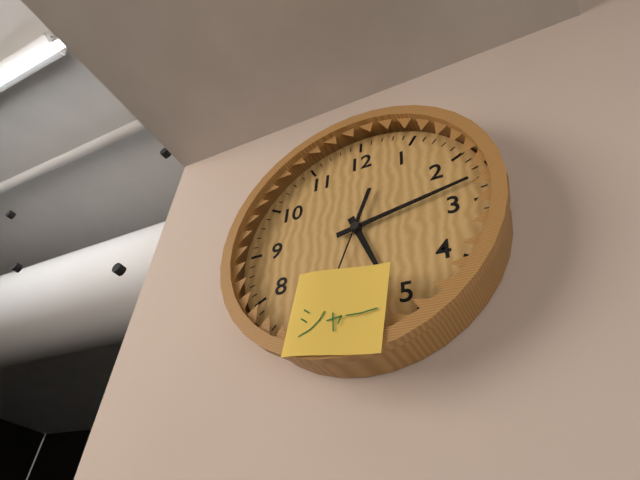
{"hour": 5, "minute": 13}
